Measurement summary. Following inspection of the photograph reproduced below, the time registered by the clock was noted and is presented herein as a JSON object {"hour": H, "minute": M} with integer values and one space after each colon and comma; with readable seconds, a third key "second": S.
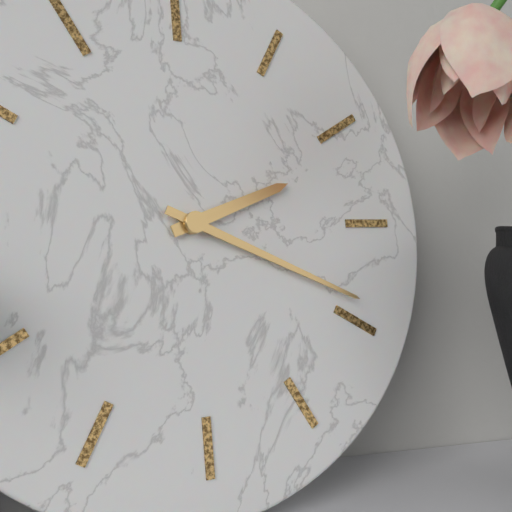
{"hour": 2, "minute": 19}
